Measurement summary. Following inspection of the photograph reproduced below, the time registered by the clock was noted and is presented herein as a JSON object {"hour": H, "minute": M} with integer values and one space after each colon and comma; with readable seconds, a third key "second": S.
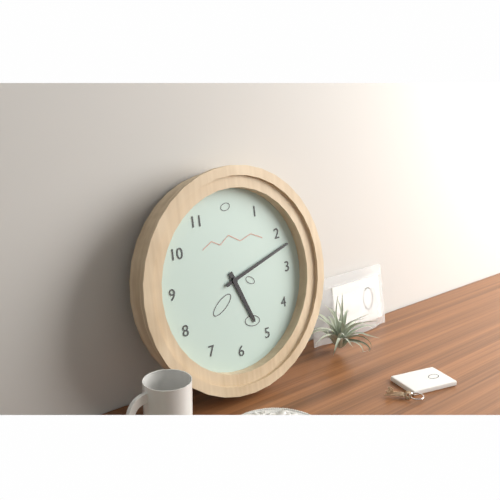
{"hour": 5, "minute": 12}
